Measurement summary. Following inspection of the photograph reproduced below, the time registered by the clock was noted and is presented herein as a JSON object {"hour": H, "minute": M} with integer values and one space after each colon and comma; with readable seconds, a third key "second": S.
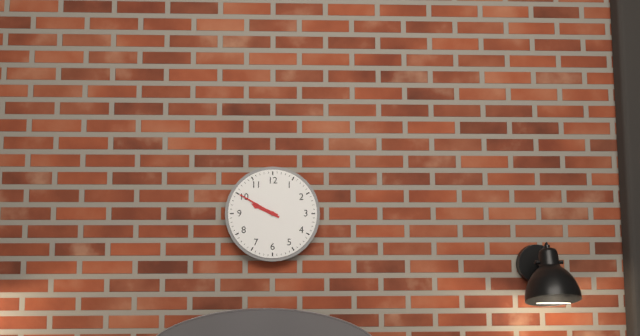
{"hour": 9, "minute": 50}
